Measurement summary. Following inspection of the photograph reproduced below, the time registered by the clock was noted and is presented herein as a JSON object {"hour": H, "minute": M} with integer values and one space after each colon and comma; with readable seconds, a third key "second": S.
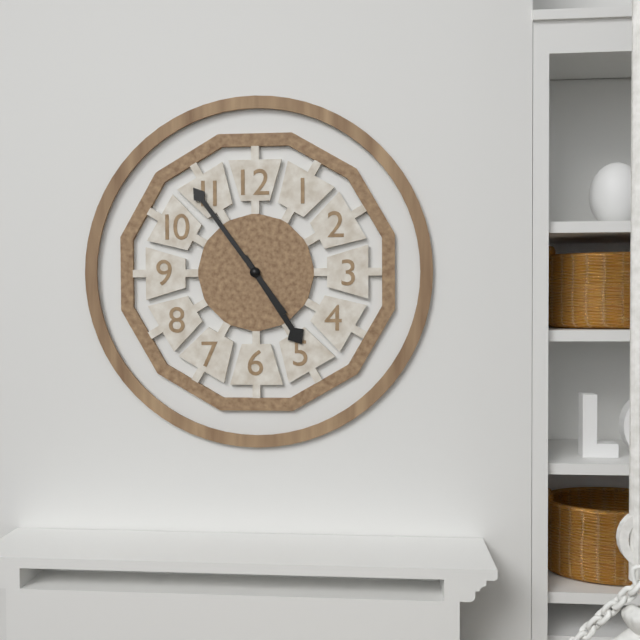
{"hour": 4, "minute": 54}
